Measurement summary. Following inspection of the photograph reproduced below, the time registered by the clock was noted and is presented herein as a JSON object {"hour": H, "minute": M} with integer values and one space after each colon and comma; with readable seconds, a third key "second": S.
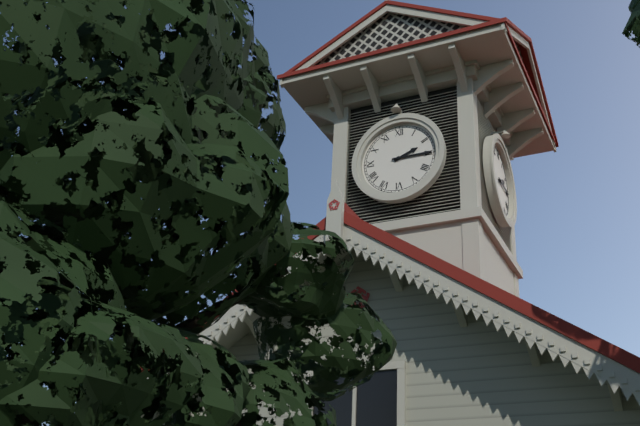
{"hour": 2, "minute": 15}
